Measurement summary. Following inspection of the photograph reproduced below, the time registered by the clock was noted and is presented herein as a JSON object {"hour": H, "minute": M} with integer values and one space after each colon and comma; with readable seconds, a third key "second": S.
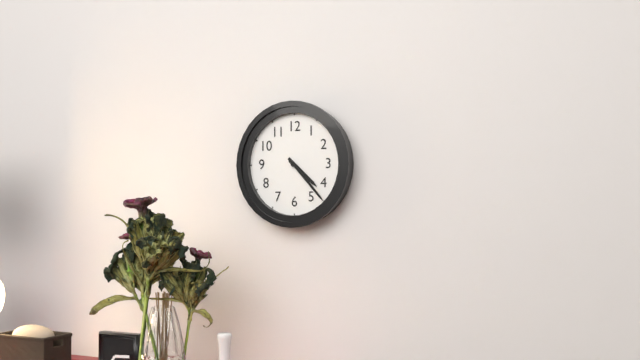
{"hour": 4, "minute": 23}
